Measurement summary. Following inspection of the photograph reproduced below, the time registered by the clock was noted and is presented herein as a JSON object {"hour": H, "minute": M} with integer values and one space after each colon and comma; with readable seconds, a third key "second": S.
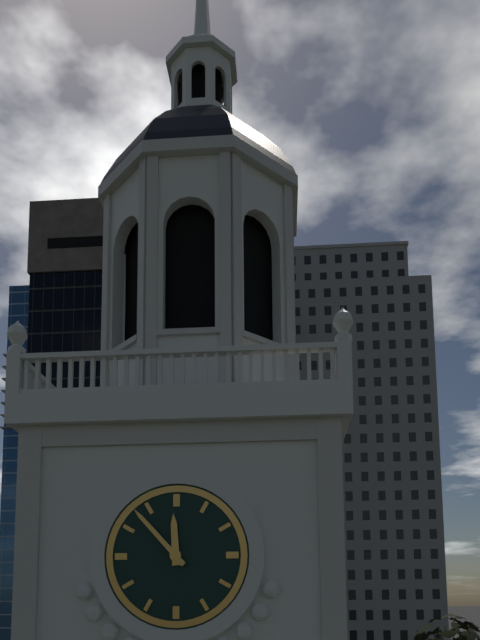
{"hour": 11, "minute": 53}
